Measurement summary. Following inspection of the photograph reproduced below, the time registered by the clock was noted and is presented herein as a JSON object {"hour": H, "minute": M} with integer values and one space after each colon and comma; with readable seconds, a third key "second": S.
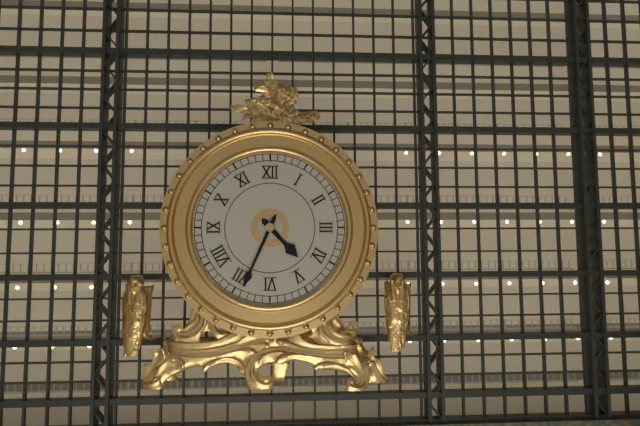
{"hour": 4, "minute": 34}
